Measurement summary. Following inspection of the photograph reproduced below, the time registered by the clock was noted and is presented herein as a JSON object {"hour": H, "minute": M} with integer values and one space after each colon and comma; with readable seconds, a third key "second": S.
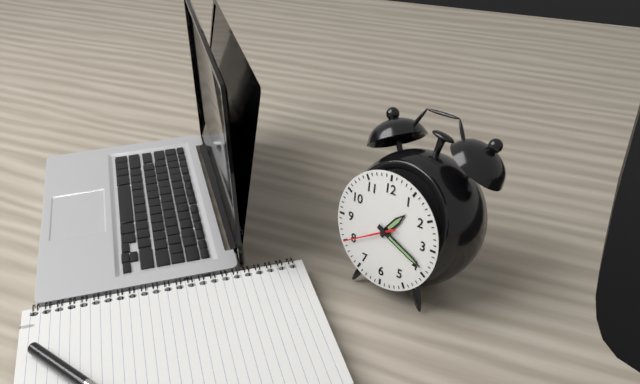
{"hour": 1, "minute": 19, "second": 40}
